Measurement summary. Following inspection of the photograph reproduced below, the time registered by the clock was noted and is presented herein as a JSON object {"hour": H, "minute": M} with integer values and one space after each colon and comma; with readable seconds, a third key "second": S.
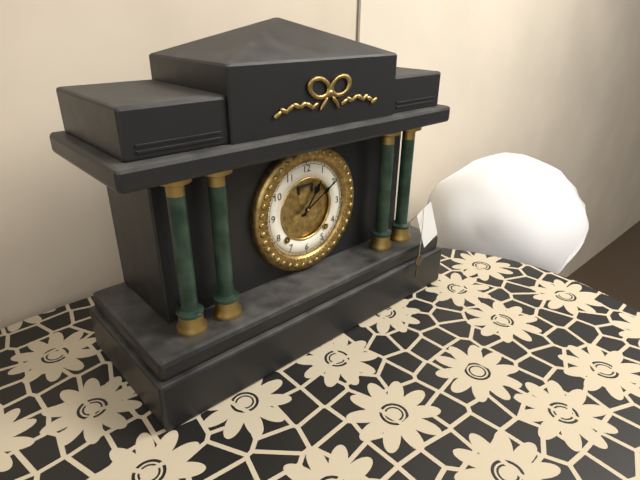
{"hour": 1, "minute": 10}
